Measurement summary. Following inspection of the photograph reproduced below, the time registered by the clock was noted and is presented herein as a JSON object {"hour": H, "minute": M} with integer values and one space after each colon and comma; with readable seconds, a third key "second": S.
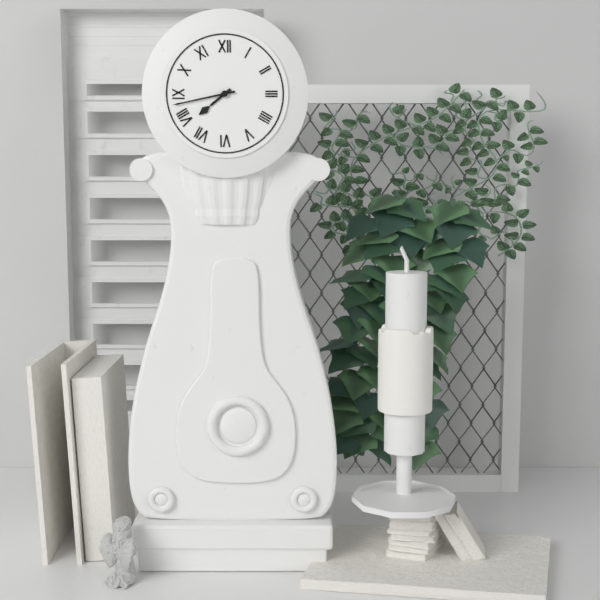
{"hour": 7, "minute": 43}
